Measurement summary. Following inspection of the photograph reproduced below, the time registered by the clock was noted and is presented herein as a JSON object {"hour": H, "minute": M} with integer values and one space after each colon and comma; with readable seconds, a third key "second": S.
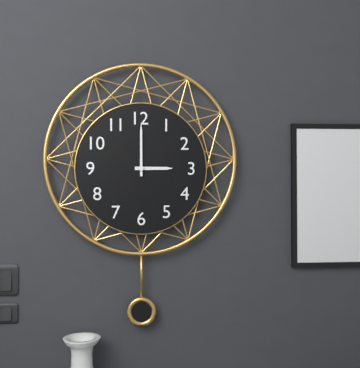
{"hour": 3, "minute": 0}
